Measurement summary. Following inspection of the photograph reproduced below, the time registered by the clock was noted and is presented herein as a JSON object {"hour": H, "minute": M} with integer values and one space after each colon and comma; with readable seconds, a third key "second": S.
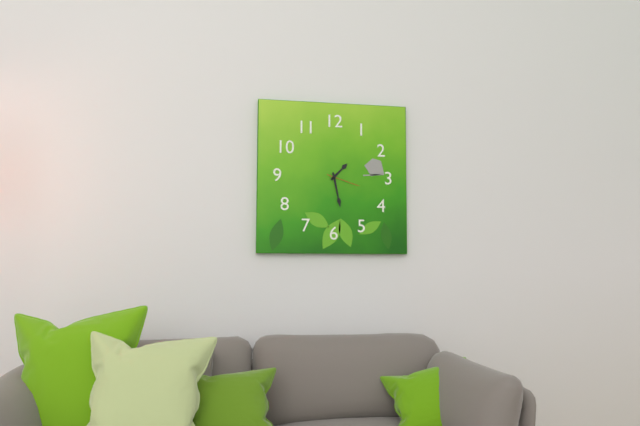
{"hour": 1, "minute": 28}
